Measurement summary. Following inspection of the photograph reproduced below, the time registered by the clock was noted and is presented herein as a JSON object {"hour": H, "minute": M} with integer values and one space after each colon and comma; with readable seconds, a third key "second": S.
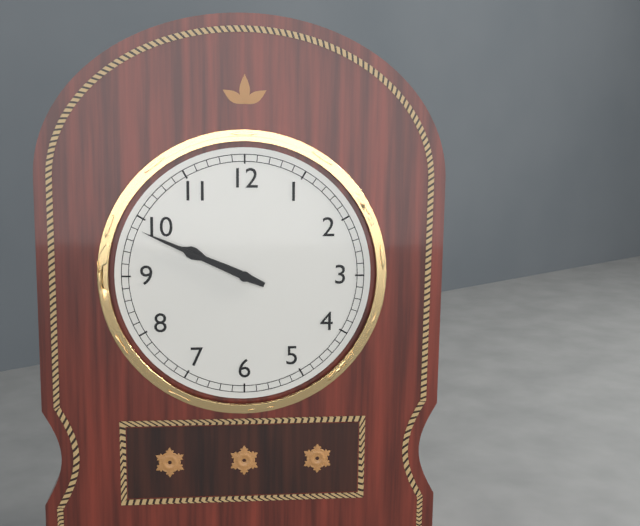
{"hour": 9, "minute": 49}
